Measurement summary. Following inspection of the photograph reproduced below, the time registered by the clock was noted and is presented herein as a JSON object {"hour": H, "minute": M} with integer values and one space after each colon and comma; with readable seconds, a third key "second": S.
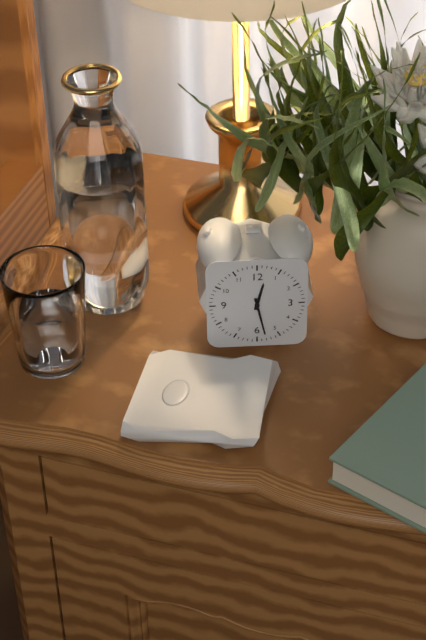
{"hour": 12, "minute": 28}
